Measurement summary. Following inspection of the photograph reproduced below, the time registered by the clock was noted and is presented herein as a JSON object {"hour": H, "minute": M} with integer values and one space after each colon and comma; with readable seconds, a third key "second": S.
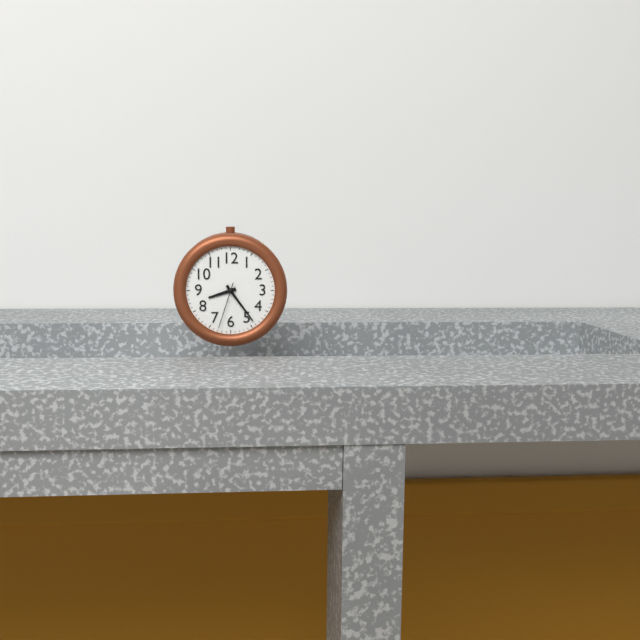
{"hour": 8, "minute": 24}
